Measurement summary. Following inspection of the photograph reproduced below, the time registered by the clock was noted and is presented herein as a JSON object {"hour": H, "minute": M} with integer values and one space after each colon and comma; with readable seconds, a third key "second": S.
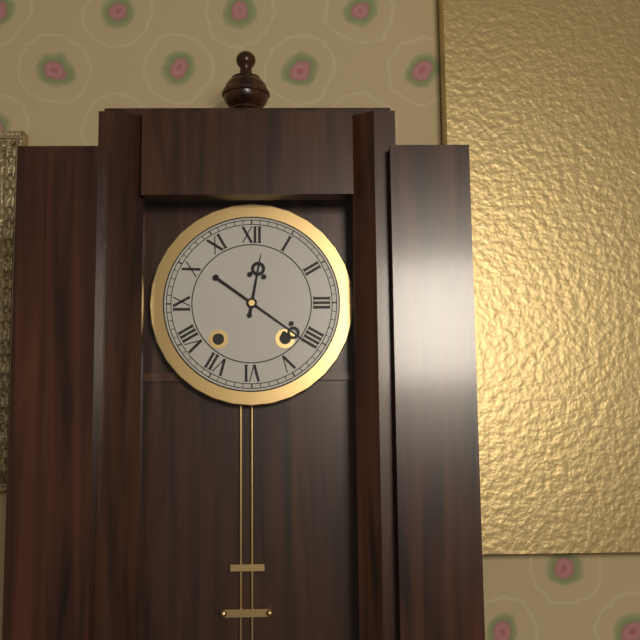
{"hour": 12, "minute": 21}
